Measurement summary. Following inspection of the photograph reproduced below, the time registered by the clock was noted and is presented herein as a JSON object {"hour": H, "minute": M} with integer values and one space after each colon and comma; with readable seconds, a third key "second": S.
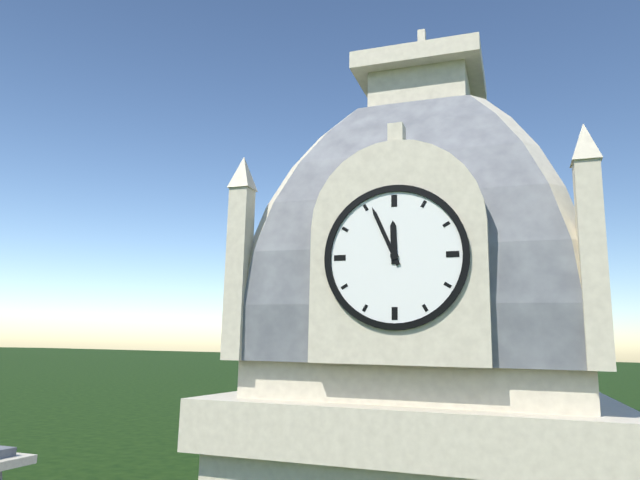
{"hour": 11, "minute": 56}
